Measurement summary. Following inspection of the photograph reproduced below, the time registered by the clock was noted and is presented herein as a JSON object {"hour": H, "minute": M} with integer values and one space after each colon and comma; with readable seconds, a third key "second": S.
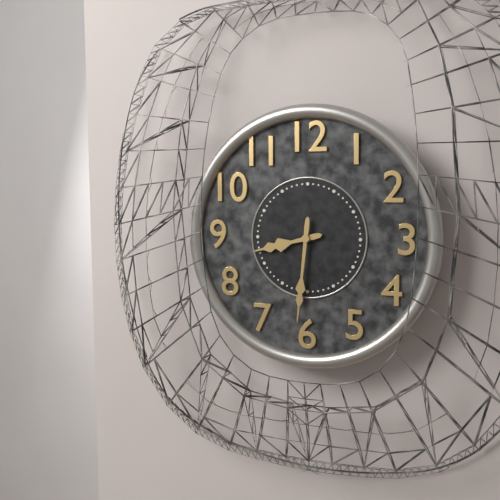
{"hour": 8, "minute": 31}
